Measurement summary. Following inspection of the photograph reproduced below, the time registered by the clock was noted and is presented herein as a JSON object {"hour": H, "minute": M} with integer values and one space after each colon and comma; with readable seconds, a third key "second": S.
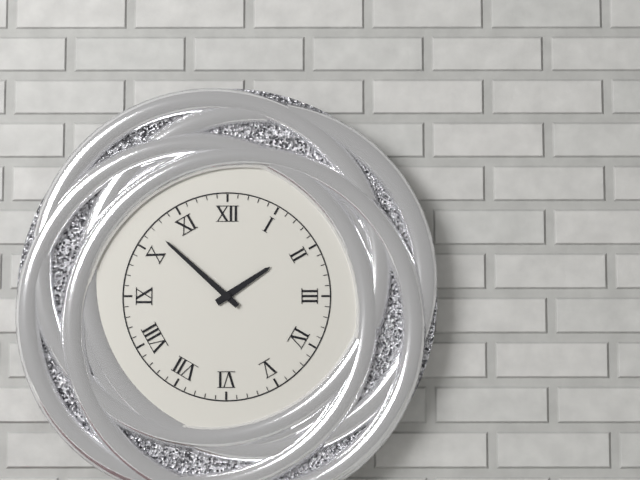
{"hour": 1, "minute": 52}
